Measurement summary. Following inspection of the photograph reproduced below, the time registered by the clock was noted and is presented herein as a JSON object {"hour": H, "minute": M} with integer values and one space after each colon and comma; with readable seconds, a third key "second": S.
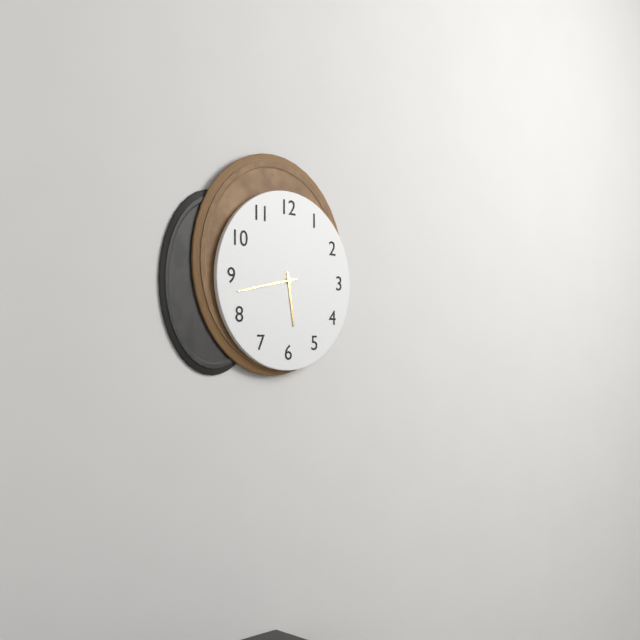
{"hour": 5, "minute": 43}
